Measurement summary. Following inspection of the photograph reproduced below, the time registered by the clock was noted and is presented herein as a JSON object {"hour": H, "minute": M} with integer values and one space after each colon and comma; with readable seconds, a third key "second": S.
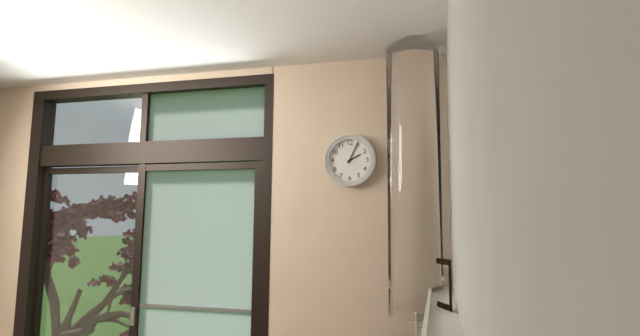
{"hour": 2, "minute": 4}
